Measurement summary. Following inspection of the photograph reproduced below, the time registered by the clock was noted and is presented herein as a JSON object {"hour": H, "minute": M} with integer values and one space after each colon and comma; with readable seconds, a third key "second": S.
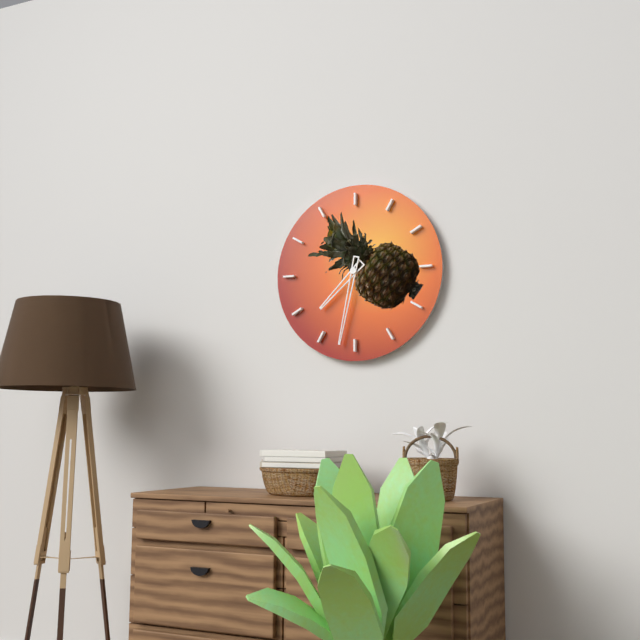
{"hour": 7, "minute": 32}
